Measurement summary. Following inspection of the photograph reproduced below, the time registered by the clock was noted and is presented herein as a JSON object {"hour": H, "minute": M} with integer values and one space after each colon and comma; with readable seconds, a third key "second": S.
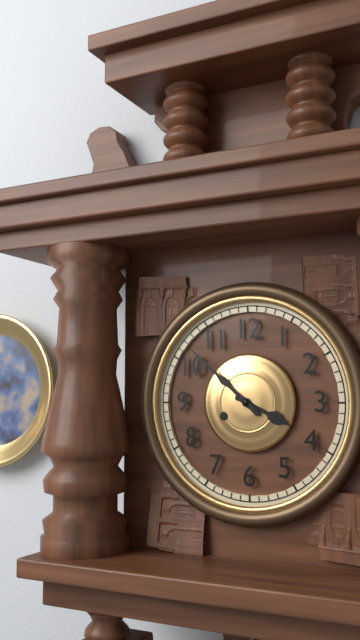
{"hour": 3, "minute": 52}
